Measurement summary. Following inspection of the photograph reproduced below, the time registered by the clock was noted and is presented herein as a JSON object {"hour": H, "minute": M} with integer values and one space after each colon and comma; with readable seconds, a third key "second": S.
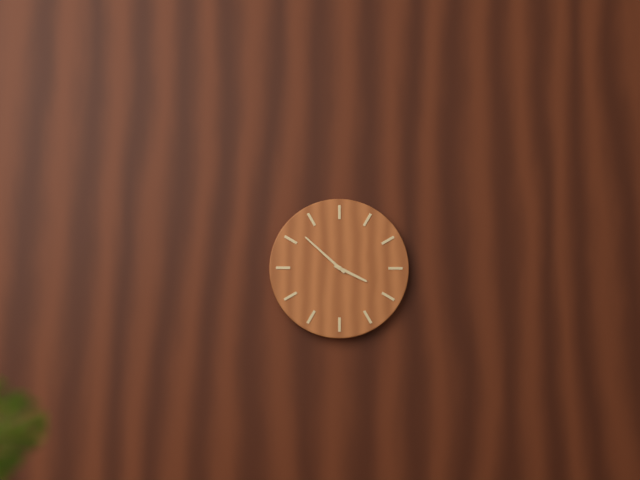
{"hour": 3, "minute": 52}
